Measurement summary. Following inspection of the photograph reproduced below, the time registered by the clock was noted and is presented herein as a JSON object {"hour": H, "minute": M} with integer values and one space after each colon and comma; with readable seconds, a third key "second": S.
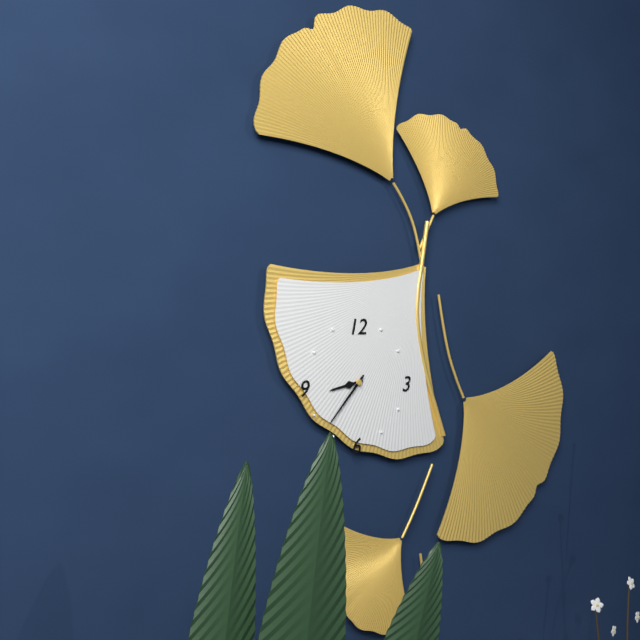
{"hour": 8, "minute": 37}
